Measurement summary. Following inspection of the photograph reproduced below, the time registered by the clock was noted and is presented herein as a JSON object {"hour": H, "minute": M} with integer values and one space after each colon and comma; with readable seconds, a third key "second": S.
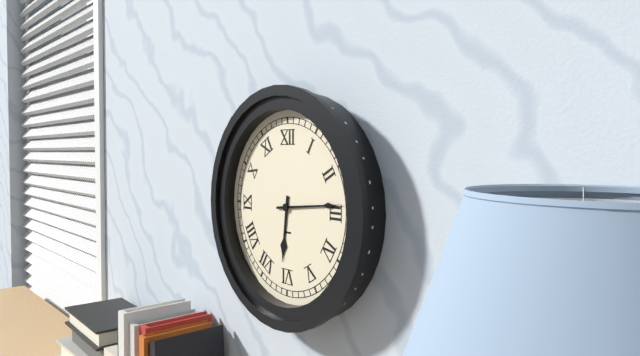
{"hour": 6, "minute": 14}
